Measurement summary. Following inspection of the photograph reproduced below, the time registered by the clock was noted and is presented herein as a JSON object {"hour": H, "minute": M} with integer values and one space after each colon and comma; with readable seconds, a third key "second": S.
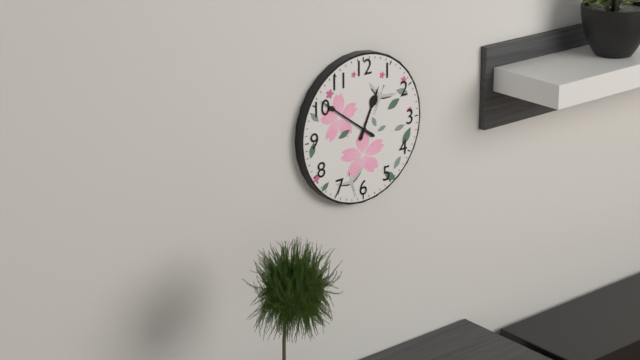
{"hour": 12, "minute": 51}
